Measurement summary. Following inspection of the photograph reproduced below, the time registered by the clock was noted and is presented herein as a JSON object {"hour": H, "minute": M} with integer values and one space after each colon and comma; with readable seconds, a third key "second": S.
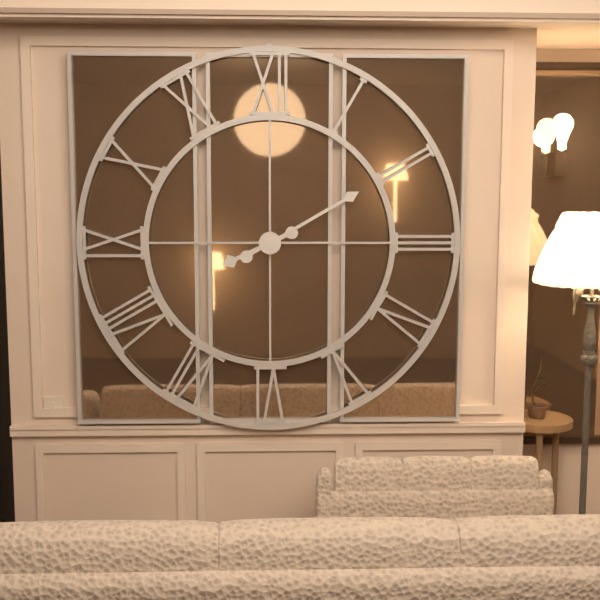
{"hour": 8, "minute": 10}
